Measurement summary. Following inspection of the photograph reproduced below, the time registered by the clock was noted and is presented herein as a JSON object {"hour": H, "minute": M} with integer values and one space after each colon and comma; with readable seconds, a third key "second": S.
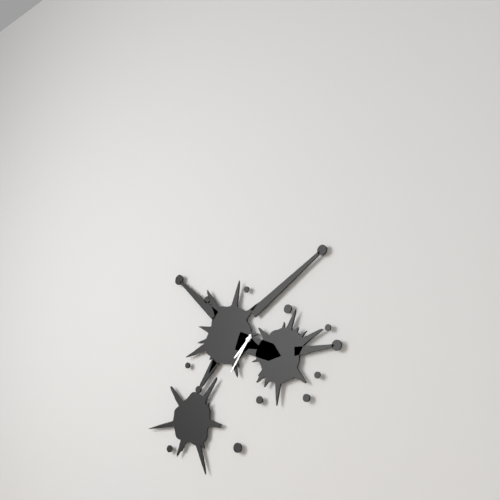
{"hour": 7, "minute": 36}
